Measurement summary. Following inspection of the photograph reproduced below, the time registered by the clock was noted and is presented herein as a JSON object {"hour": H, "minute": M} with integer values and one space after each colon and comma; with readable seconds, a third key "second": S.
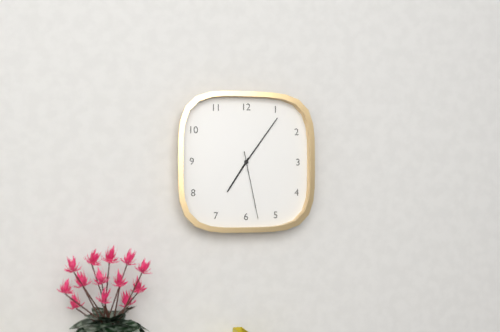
{"hour": 7, "minute": 6, "second": 28}
